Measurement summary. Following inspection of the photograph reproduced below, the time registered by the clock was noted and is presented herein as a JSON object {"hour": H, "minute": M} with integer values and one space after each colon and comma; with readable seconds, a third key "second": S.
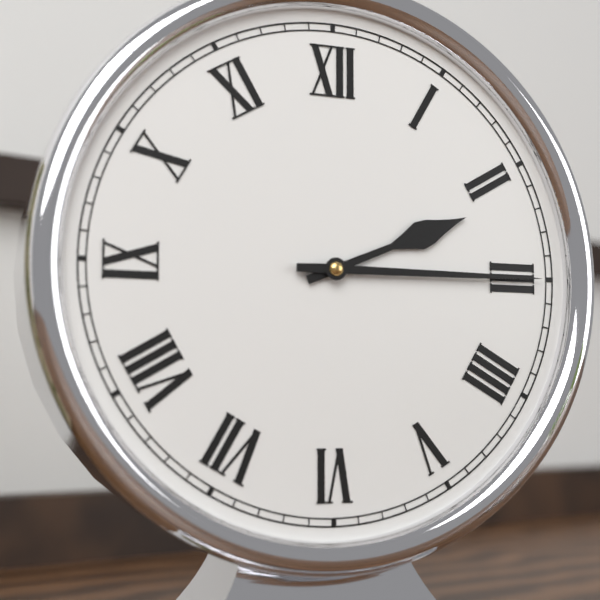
{"hour": 2, "minute": 15}
